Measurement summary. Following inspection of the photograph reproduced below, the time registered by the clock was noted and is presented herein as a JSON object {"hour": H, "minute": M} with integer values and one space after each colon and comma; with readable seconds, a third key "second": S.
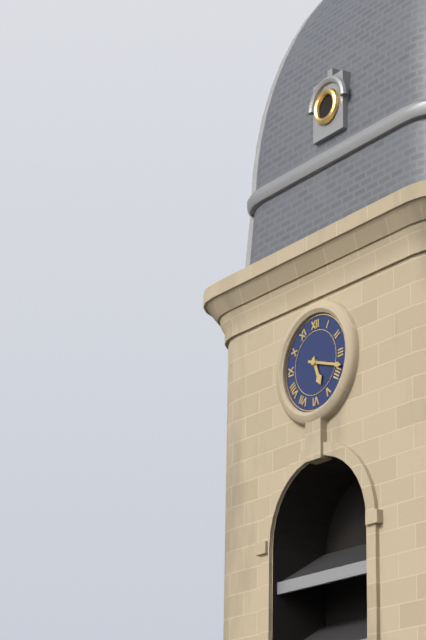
{"hour": 5, "minute": 18}
